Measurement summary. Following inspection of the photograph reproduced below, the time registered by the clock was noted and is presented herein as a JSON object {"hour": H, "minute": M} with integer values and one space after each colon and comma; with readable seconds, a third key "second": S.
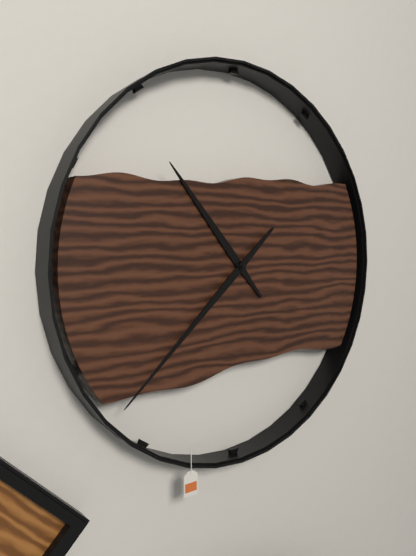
{"hour": 10, "minute": 38}
